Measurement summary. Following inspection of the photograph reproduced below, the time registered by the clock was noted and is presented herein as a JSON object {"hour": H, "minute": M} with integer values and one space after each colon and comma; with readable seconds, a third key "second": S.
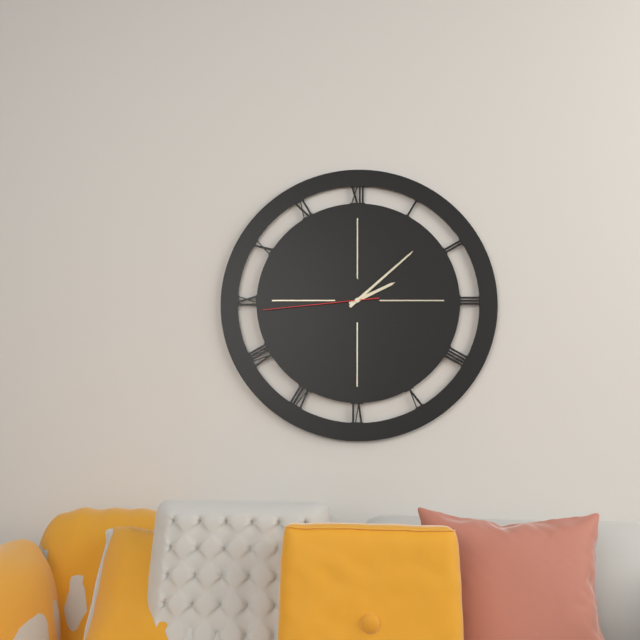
{"hour": 2, "minute": 8, "second": 44}
